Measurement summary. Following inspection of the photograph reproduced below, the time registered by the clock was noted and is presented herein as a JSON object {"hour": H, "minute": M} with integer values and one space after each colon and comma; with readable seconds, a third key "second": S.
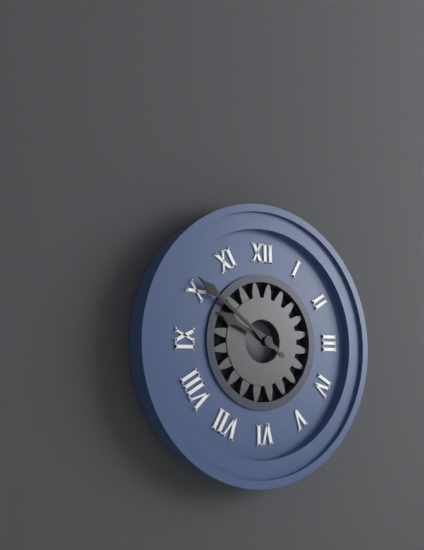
{"hour": 9, "minute": 51}
